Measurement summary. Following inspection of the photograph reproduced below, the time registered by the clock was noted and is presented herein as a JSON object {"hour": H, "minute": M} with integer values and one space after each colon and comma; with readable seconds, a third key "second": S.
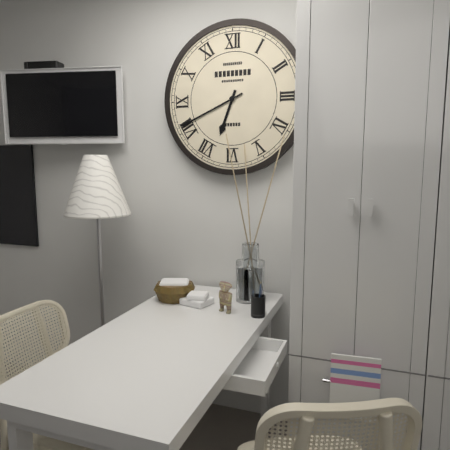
{"hour": 6, "minute": 41}
